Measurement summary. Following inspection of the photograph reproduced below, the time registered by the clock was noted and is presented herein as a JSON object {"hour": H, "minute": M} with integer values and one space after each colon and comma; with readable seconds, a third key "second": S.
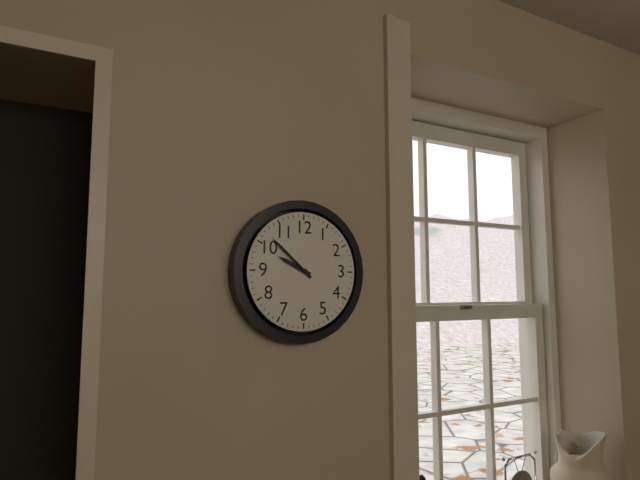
{"hour": 9, "minute": 52}
